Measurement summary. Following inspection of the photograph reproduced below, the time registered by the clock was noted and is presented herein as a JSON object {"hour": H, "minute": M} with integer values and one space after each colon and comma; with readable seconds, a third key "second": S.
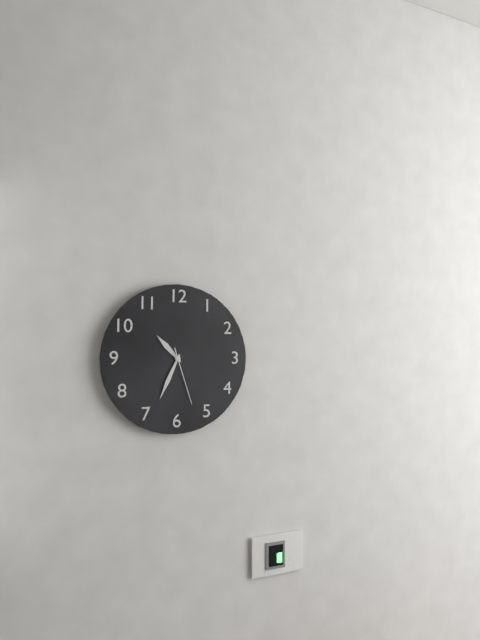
{"hour": 10, "minute": 34, "second": 27}
